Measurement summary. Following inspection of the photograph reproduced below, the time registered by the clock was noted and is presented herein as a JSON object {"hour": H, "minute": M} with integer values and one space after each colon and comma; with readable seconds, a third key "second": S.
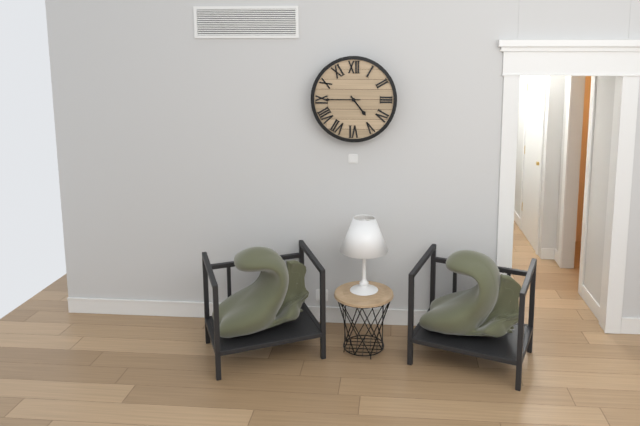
{"hour": 4, "minute": 45}
